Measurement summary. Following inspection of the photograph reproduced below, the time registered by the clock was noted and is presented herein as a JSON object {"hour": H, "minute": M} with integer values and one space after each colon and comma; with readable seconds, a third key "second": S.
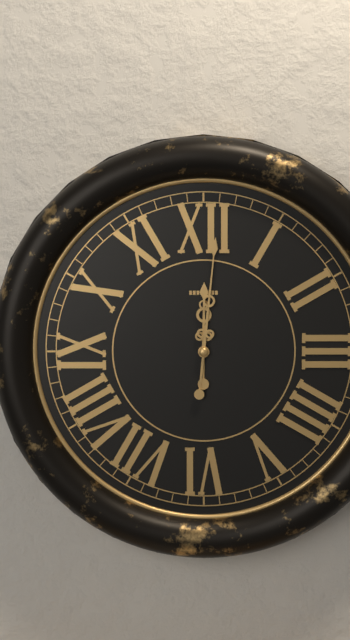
{"hour": 12, "minute": 1}
